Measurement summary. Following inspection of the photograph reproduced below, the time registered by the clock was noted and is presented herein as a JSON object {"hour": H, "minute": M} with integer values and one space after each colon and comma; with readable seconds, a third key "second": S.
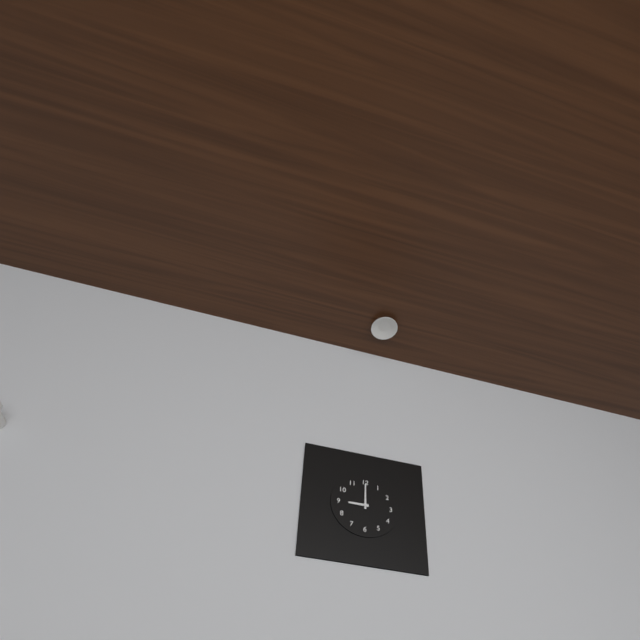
{"hour": 9, "minute": 0}
